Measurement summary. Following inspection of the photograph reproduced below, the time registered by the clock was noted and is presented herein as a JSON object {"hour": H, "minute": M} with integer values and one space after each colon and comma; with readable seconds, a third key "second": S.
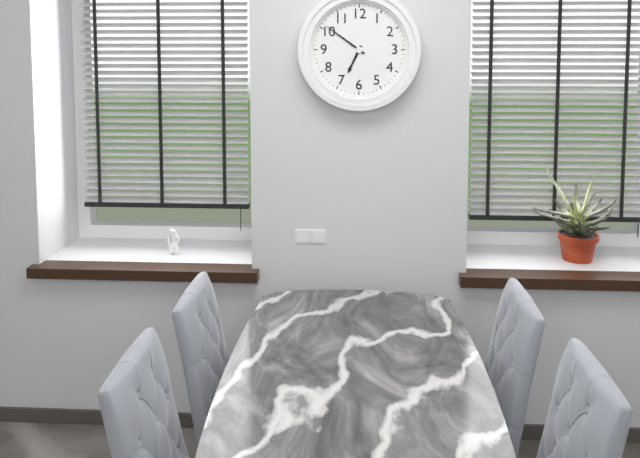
{"hour": 6, "minute": 51}
